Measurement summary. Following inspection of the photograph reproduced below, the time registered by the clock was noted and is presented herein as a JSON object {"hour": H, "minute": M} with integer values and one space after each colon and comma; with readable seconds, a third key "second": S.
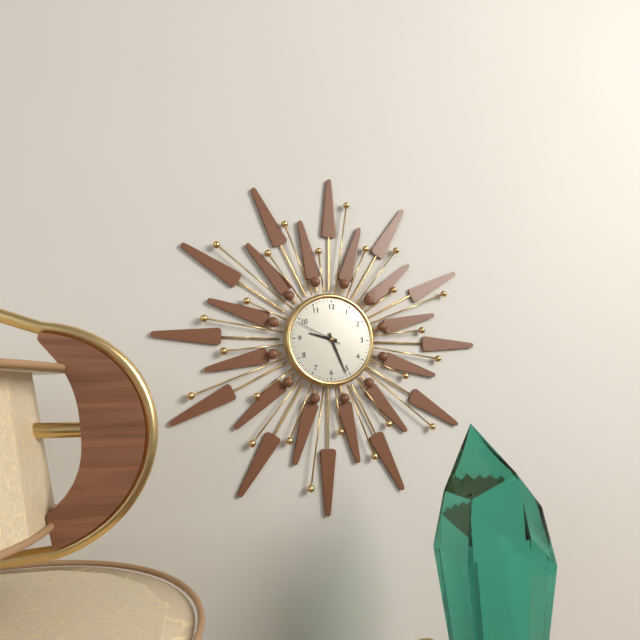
{"hour": 9, "minute": 26}
